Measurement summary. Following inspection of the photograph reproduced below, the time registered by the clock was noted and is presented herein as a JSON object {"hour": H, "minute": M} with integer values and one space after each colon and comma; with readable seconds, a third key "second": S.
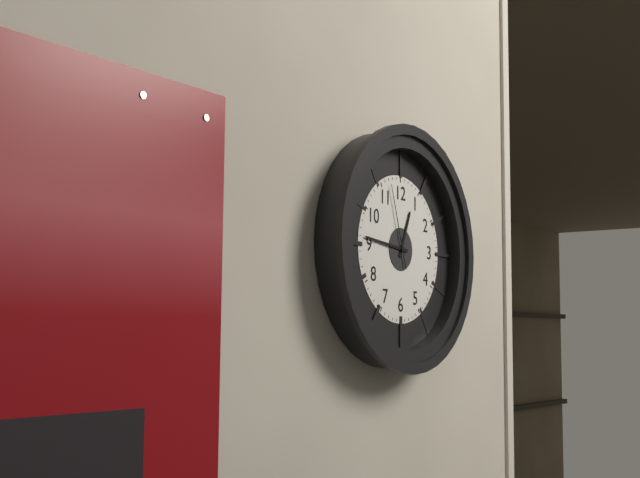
{"hour": 12, "minute": 46, "second": 57}
